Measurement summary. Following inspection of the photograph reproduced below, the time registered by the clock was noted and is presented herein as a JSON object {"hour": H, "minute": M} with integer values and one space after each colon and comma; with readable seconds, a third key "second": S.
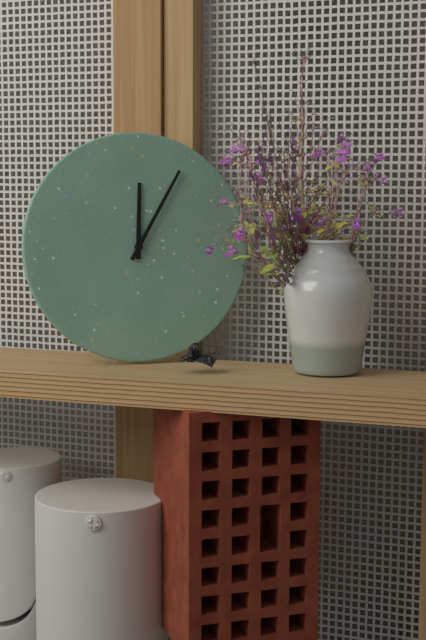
{"hour": 12, "minute": 5}
